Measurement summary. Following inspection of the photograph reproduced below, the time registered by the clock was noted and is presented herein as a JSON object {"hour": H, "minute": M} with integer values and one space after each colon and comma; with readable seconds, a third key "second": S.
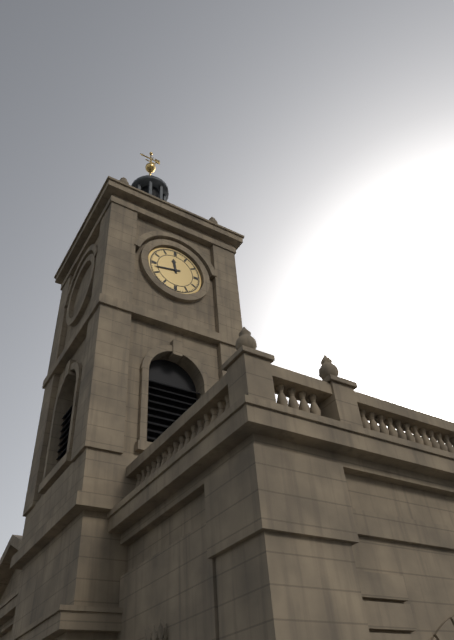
{"hour": 11, "minute": 43}
